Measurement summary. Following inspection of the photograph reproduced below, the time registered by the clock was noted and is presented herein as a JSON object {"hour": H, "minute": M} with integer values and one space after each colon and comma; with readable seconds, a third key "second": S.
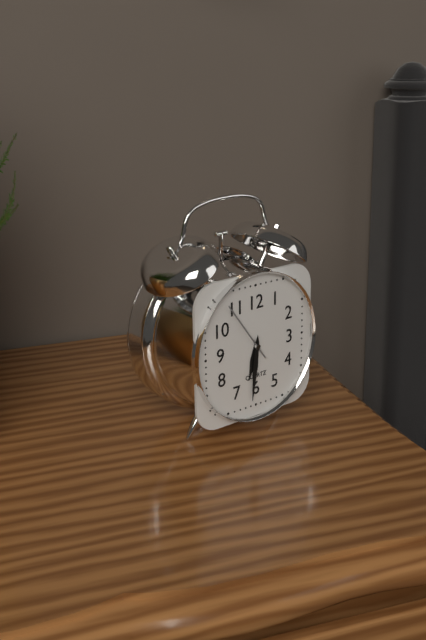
{"hour": 6, "minute": 31, "second": 54}
